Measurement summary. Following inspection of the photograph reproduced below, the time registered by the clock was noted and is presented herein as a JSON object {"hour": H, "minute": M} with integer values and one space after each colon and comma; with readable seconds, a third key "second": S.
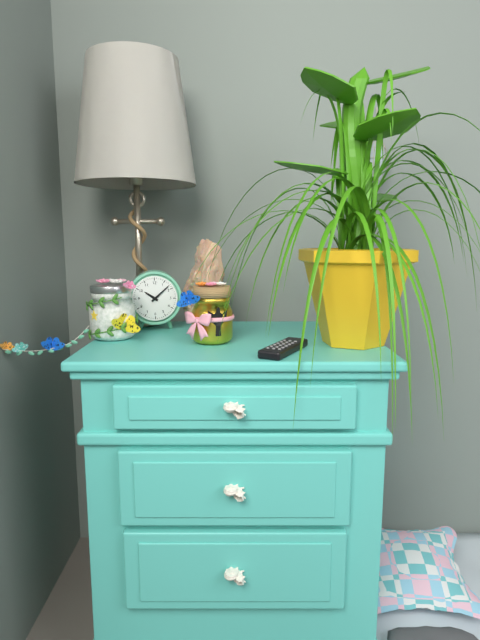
{"hour": 10, "minute": 8}
